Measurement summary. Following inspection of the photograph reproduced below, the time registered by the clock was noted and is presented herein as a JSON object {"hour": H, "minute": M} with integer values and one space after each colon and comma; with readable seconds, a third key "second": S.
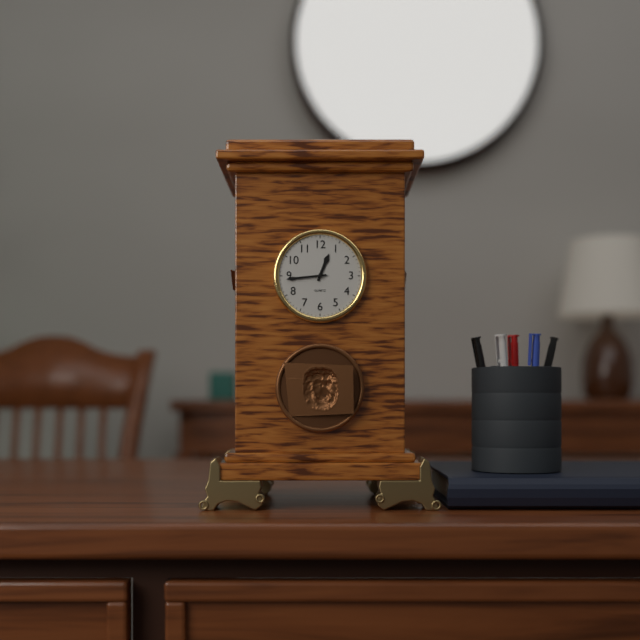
{"hour": 12, "minute": 44}
